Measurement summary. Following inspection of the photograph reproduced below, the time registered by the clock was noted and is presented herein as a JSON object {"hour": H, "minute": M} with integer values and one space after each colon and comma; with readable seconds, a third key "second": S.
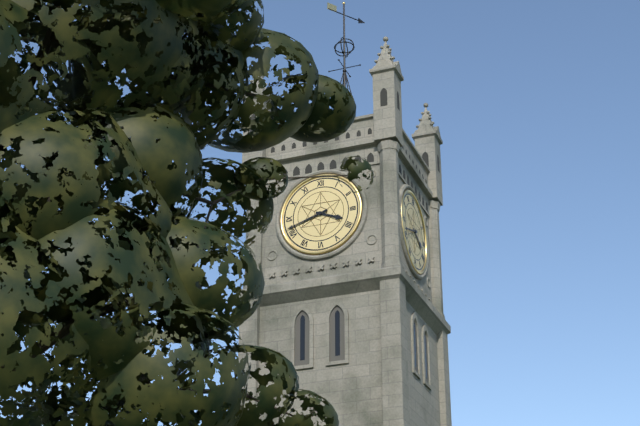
{"hour": 3, "minute": 42}
